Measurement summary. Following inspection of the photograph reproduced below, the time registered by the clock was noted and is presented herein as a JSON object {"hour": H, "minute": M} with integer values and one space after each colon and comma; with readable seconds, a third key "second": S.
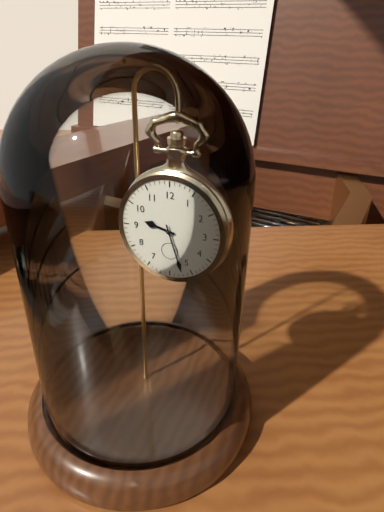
{"hour": 9, "minute": 27}
